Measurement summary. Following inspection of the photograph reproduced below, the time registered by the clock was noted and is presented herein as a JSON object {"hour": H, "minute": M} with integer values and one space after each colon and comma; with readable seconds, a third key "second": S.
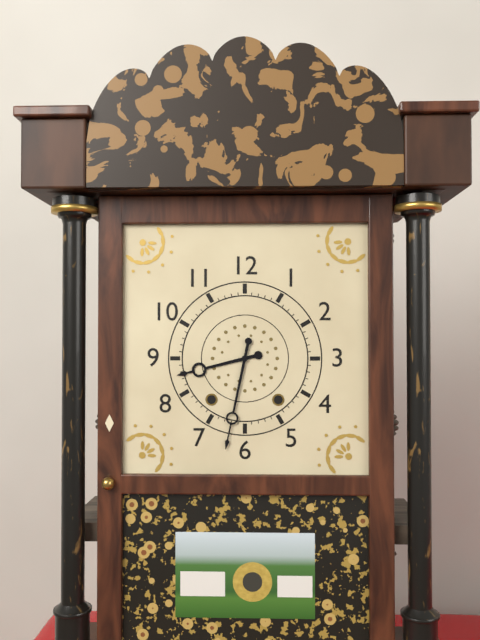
{"hour": 8, "minute": 32}
